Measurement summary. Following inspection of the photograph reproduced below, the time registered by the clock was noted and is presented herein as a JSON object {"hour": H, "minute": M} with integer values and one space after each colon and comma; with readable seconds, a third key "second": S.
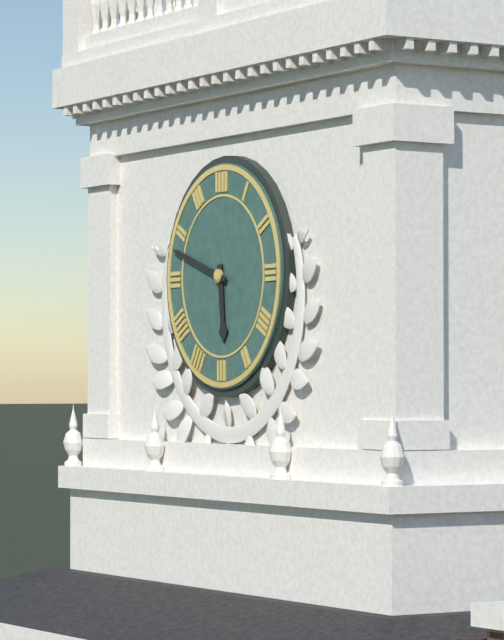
{"hour": 5, "minute": 48}
